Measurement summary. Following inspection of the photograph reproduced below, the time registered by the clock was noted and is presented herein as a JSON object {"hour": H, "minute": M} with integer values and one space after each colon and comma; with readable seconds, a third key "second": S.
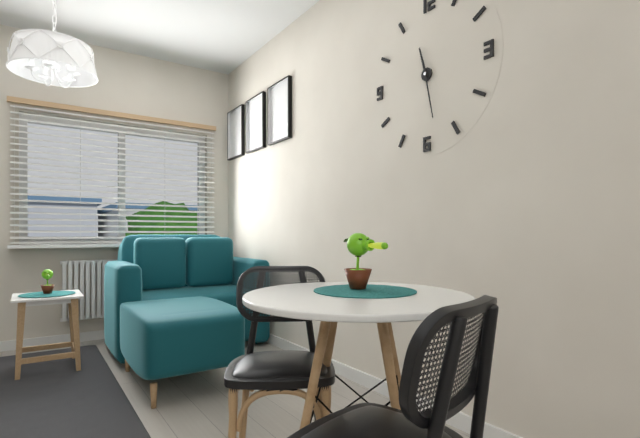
{"hour": 11, "minute": 28}
